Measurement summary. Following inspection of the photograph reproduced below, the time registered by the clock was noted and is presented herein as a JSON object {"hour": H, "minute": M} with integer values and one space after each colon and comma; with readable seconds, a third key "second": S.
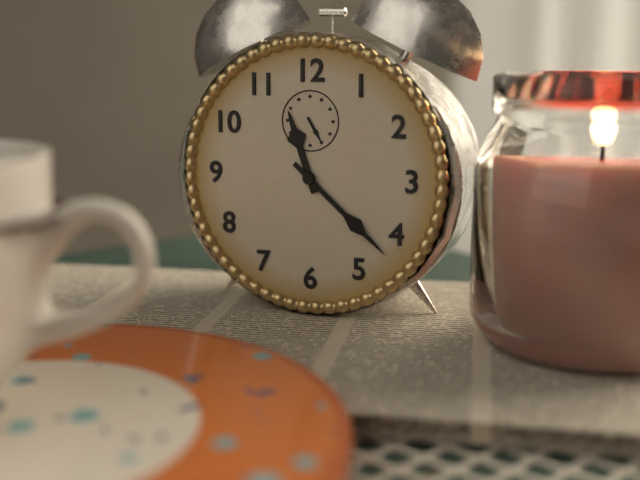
{"hour": 11, "minute": 22}
